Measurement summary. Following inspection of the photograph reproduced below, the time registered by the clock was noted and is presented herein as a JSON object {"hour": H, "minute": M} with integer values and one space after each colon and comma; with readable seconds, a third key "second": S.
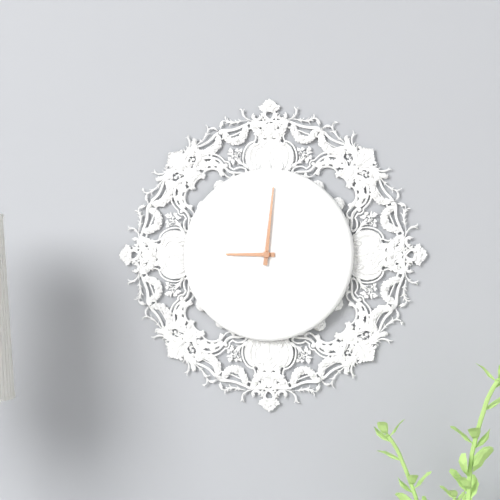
{"hour": 9, "minute": 1}
